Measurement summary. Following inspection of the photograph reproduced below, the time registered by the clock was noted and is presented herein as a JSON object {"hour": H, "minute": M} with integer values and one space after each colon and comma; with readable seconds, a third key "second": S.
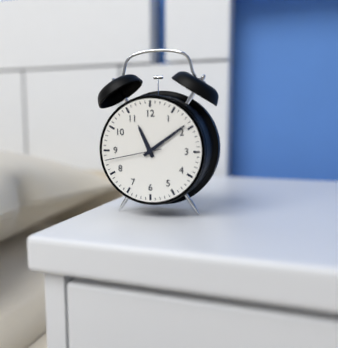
{"hour": 11, "minute": 9, "second": 43}
